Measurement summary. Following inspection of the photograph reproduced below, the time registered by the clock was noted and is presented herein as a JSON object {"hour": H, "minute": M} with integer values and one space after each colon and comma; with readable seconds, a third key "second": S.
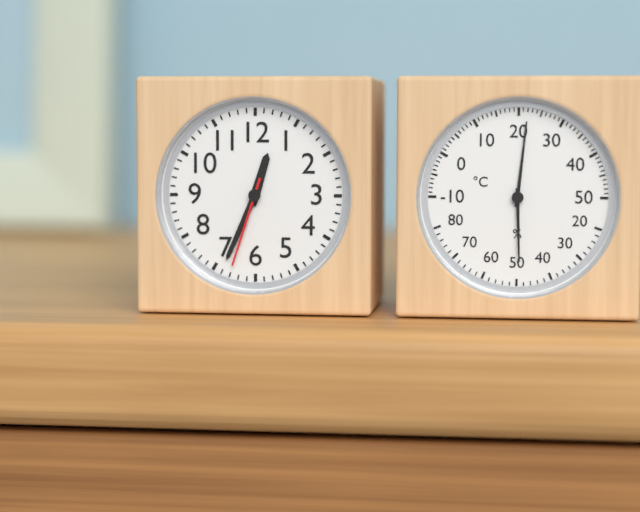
{"hour": 12, "minute": 34, "second": 33}
